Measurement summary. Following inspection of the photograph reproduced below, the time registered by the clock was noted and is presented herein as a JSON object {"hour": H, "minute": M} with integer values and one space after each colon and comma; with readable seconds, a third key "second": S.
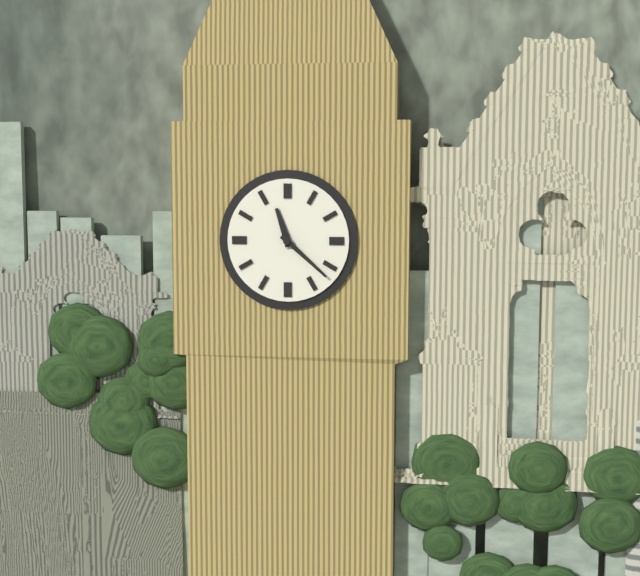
{"hour": 11, "minute": 22}
